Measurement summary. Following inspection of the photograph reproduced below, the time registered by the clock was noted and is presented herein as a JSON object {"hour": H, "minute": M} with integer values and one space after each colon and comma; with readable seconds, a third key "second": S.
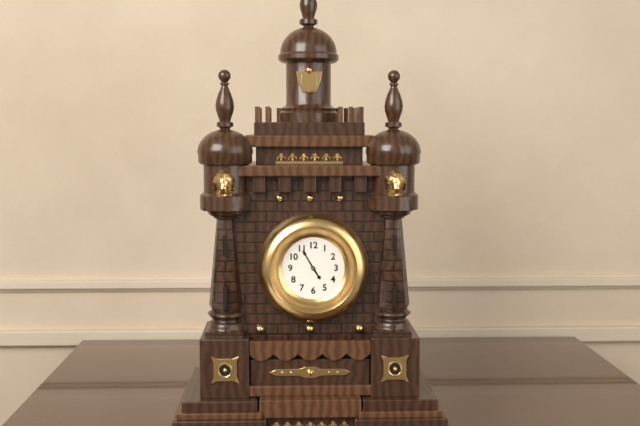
{"hour": 4, "minute": 55}
